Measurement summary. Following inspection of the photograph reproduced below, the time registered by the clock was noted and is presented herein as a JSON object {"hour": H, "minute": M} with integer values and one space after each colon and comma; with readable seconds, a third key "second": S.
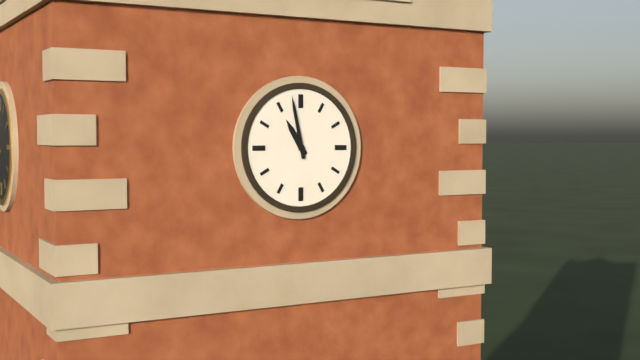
{"hour": 10, "minute": 58}
